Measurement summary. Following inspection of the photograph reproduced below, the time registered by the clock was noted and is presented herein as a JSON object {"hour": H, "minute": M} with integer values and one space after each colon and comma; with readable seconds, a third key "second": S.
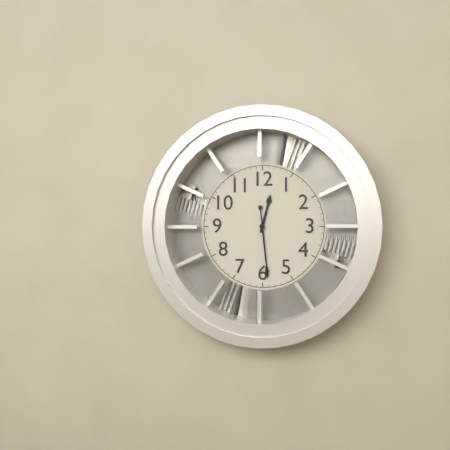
{"hour": 12, "minute": 29}
